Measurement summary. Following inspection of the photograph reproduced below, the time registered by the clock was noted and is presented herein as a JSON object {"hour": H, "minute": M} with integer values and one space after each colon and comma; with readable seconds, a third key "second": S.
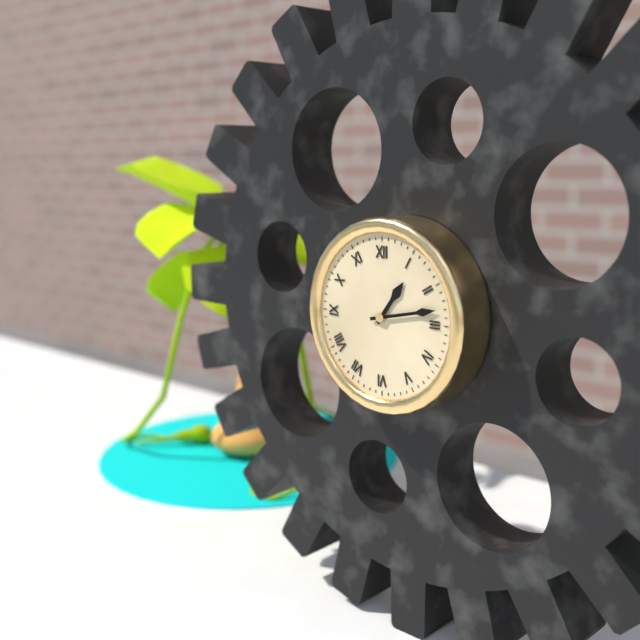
{"hour": 1, "minute": 13}
